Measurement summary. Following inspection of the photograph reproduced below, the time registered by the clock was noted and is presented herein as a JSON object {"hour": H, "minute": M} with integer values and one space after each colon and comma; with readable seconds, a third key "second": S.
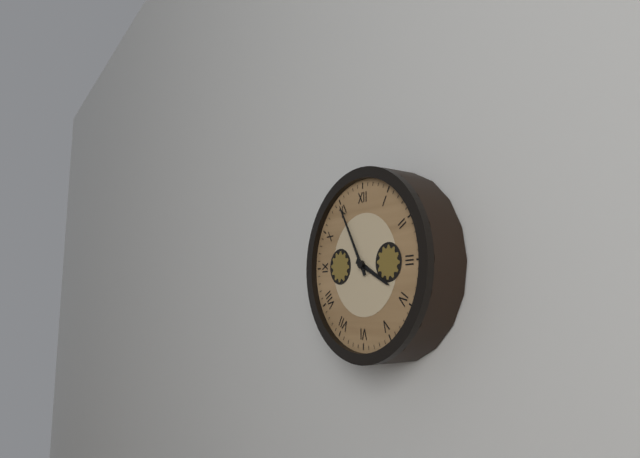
{"hour": 3, "minute": 55}
